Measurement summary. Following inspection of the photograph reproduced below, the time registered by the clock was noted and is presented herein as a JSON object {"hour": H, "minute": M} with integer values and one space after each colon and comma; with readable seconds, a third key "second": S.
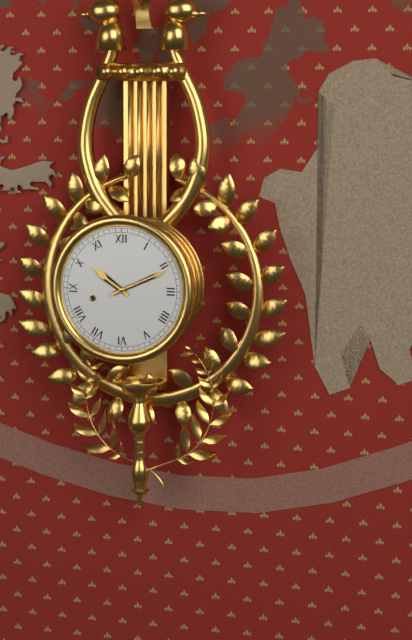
{"hour": 10, "minute": 11}
